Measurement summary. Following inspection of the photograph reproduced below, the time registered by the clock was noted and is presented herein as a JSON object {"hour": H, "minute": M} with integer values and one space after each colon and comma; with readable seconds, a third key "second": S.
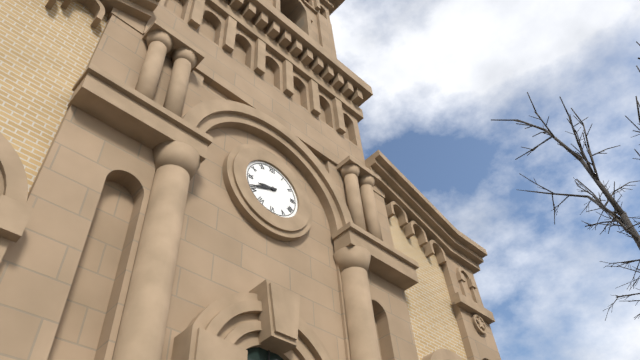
{"hour": 8, "minute": 41}
